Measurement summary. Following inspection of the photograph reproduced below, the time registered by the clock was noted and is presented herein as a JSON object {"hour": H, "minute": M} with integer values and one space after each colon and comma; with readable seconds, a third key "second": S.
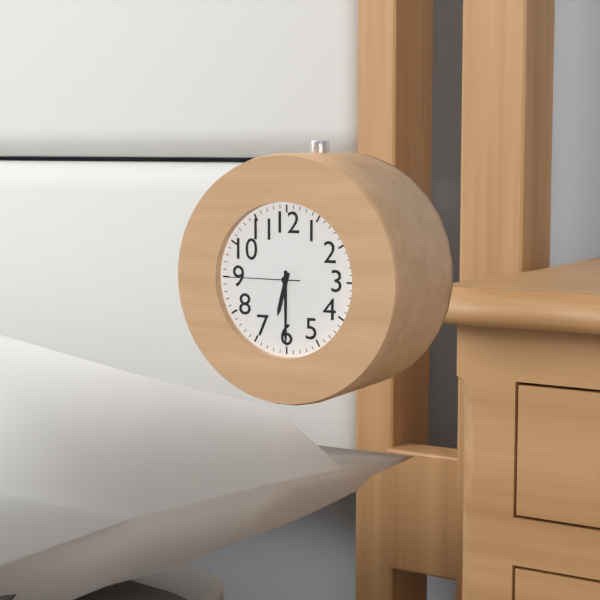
{"hour": 6, "minute": 30, "second": 45}
